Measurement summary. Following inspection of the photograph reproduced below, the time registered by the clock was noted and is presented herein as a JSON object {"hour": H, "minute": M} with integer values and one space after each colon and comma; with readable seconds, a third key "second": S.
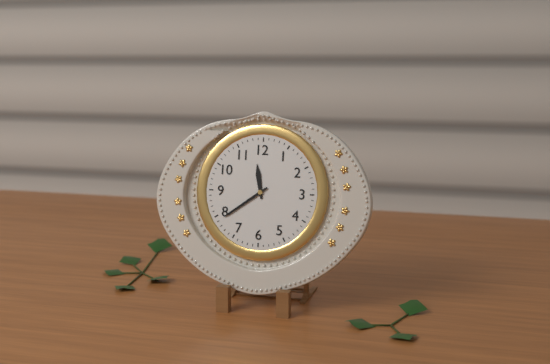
{"hour": 11, "minute": 39}
